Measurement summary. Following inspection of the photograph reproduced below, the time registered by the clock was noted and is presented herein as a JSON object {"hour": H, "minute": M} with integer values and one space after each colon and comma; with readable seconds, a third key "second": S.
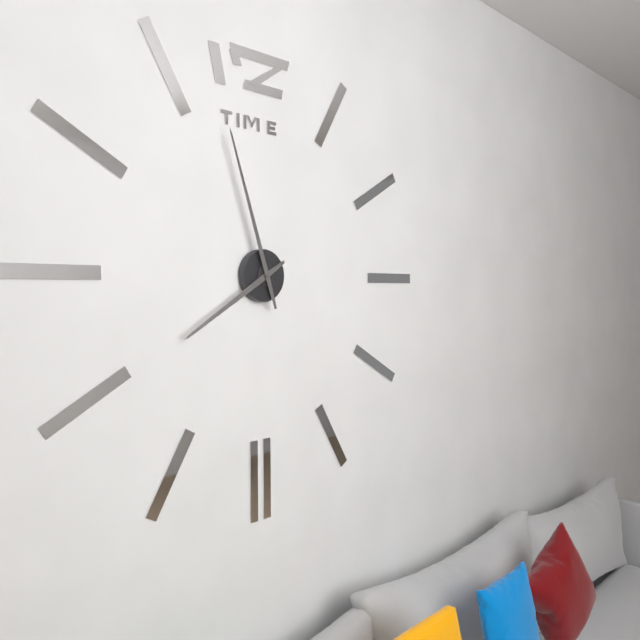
{"hour": 7, "minute": 57}
